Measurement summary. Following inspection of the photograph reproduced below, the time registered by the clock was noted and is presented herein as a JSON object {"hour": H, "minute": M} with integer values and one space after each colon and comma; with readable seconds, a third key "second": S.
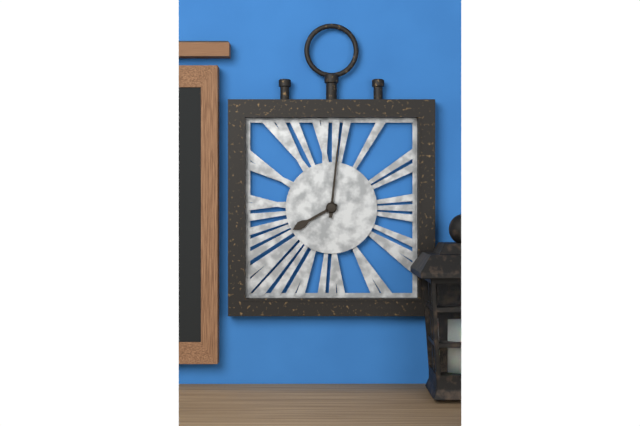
{"hour": 8, "minute": 1}
